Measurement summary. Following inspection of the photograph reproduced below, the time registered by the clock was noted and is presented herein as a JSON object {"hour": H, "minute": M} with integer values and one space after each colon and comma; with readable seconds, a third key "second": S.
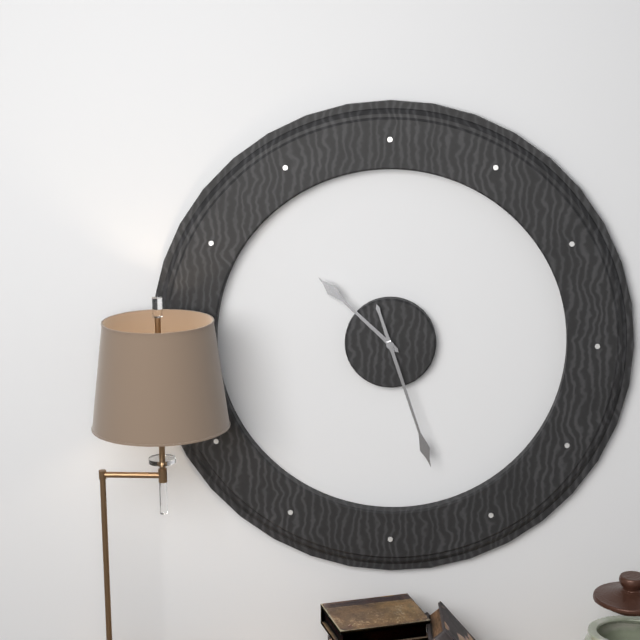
{"hour": 10, "minute": 27}
